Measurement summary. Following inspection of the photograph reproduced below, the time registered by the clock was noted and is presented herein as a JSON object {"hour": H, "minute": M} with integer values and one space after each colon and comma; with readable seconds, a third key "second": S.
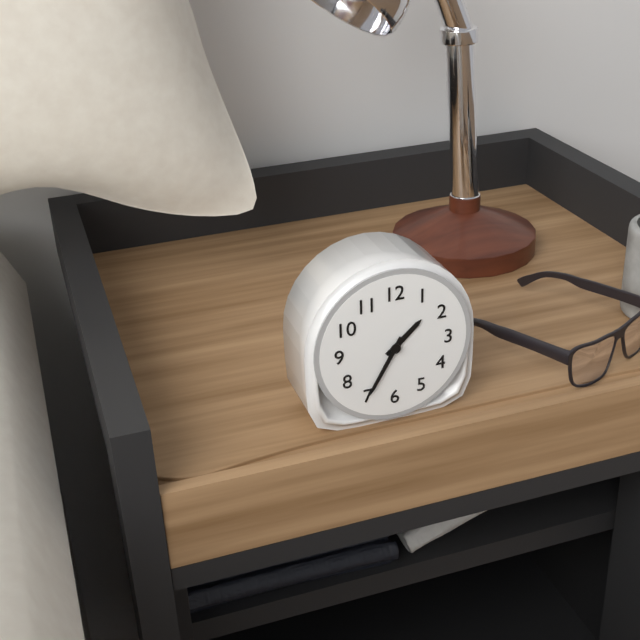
{"hour": 1, "minute": 35}
